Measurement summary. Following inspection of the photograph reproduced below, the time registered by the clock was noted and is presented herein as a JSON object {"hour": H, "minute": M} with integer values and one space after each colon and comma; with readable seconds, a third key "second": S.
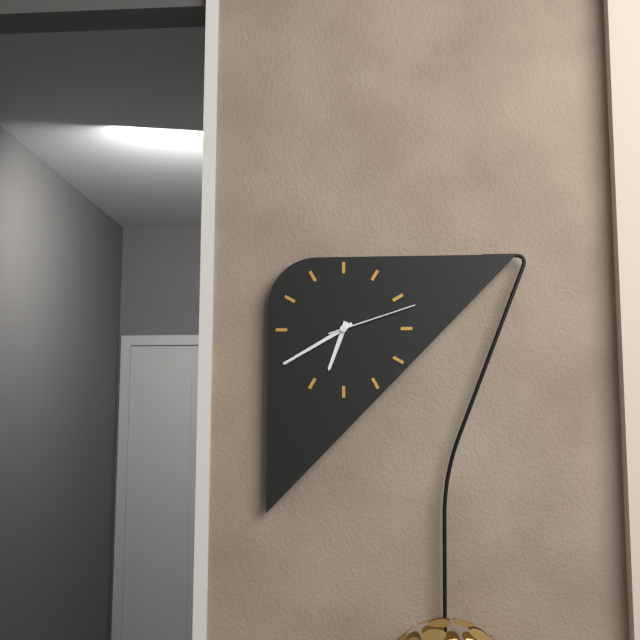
{"hour": 6, "minute": 40, "second": 12}
